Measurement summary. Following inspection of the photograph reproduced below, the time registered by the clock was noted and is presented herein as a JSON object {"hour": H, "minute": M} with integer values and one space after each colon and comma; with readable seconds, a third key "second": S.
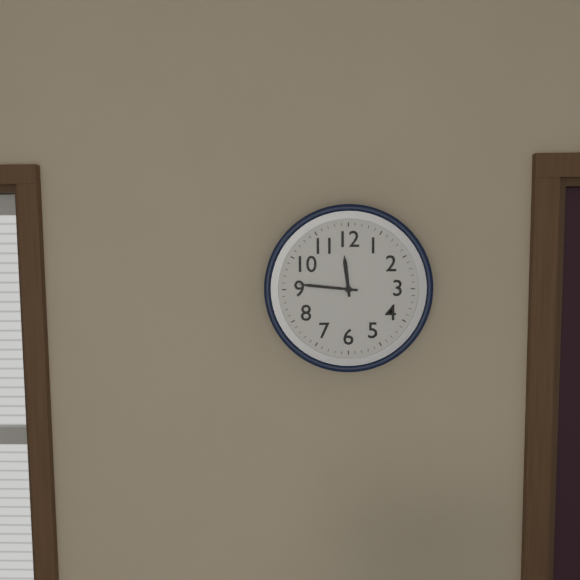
{"hour": 11, "minute": 46}
